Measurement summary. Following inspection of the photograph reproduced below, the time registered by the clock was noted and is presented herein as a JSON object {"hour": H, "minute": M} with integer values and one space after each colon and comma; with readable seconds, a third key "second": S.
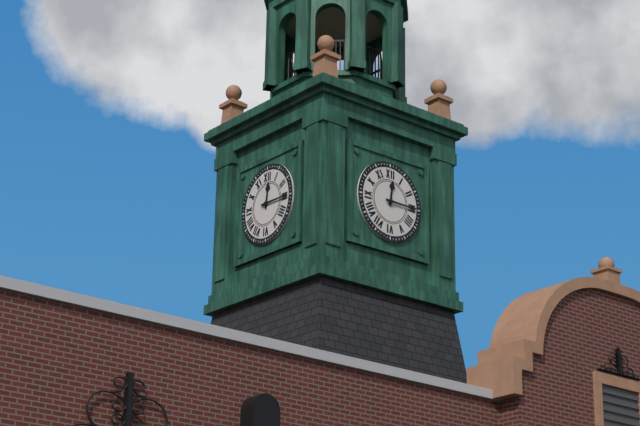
{"hour": 12, "minute": 15}
